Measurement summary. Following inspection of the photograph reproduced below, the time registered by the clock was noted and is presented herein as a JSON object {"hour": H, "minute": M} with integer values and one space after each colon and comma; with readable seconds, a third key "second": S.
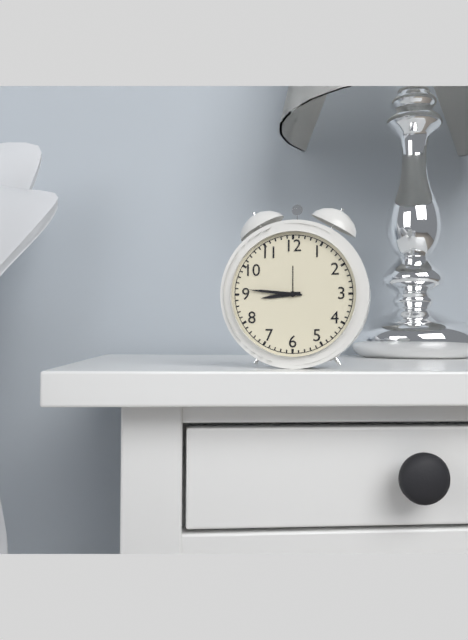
{"hour": 8, "minute": 46}
